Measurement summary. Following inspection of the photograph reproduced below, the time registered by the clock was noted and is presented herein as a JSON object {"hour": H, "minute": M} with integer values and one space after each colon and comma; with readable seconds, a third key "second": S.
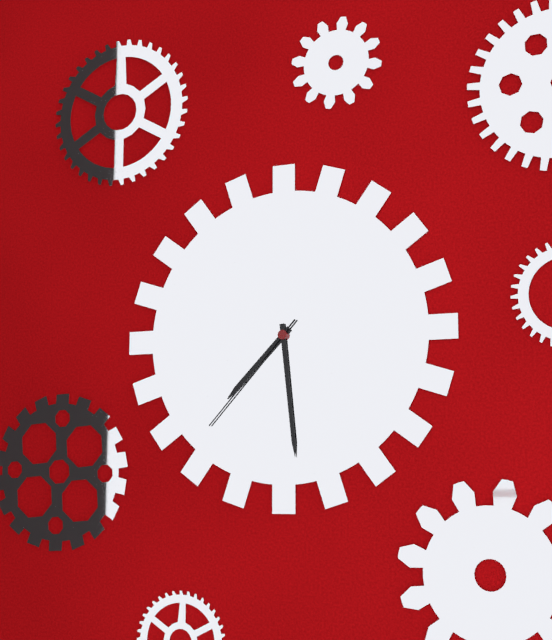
{"hour": 7, "minute": 29, "second": 37}
